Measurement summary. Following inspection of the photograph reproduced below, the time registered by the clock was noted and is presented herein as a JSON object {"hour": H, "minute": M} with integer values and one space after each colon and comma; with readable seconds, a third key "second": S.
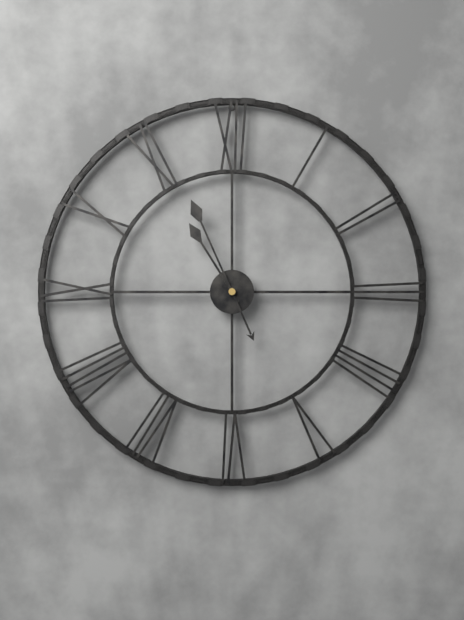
{"hour": 10, "minute": 56}
